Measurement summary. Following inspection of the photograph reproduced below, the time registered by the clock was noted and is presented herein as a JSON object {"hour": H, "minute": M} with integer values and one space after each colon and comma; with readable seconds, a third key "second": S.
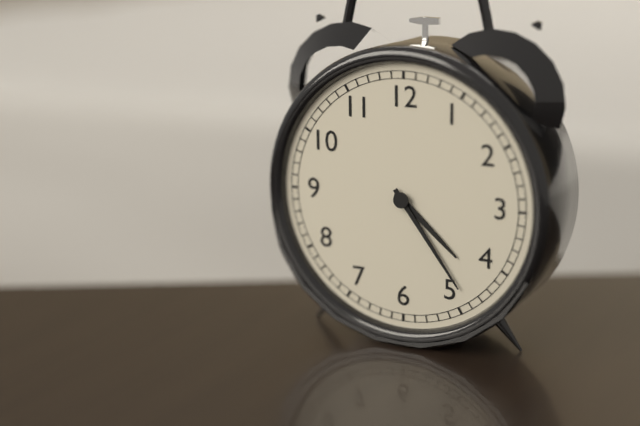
{"hour": 4, "minute": 24}
